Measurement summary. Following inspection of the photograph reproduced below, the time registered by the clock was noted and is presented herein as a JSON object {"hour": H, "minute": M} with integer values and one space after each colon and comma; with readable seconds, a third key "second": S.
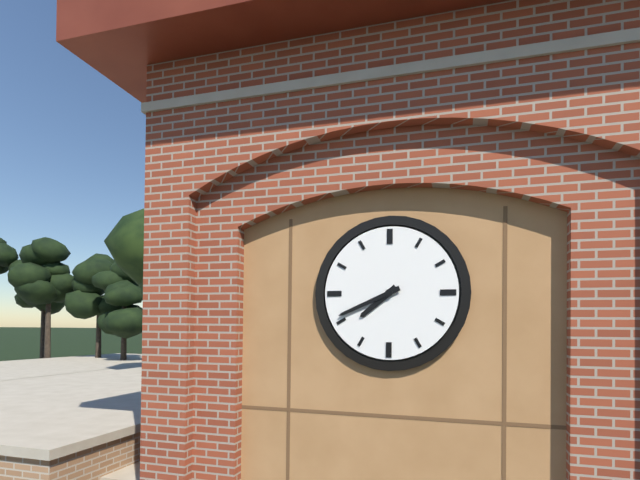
{"hour": 7, "minute": 41}
